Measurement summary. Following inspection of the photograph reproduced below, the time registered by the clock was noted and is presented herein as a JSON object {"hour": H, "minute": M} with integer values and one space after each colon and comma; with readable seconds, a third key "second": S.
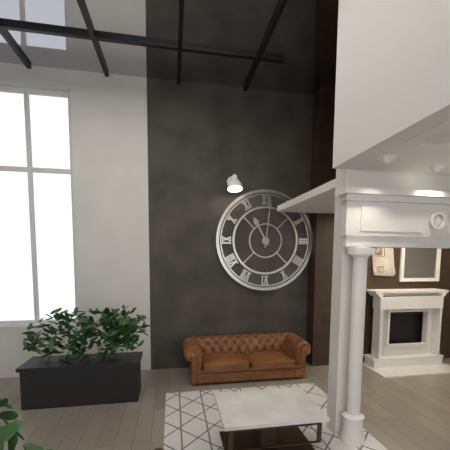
{"hour": 11, "minute": 1}
